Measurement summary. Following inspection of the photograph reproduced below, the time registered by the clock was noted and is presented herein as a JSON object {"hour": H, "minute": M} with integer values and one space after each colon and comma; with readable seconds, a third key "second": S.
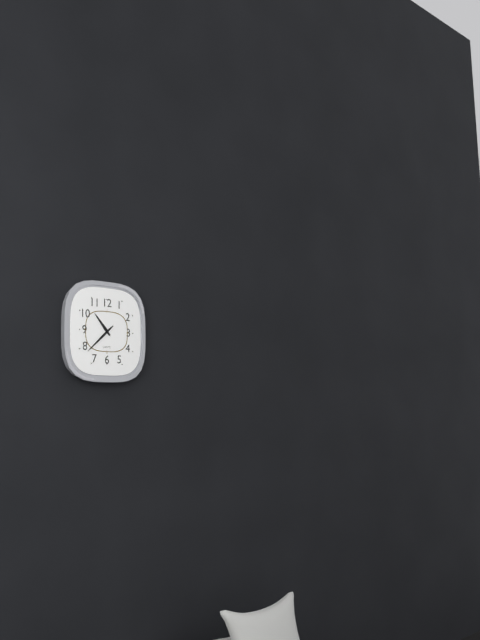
{"hour": 10, "minute": 38}
